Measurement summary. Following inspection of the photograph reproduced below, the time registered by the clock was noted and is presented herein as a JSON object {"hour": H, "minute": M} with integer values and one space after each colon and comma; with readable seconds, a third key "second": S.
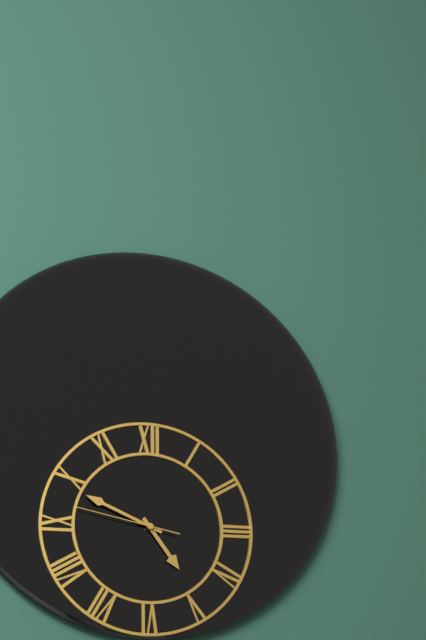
{"hour": 4, "minute": 49, "second": 47}
